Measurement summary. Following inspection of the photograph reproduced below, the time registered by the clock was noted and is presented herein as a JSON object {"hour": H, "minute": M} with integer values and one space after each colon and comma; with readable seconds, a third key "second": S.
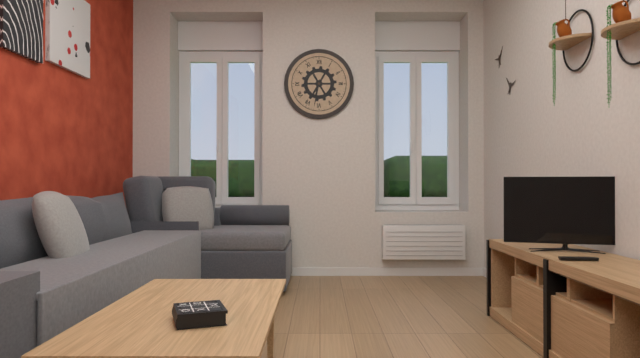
{"hour": 6, "minute": 32}
